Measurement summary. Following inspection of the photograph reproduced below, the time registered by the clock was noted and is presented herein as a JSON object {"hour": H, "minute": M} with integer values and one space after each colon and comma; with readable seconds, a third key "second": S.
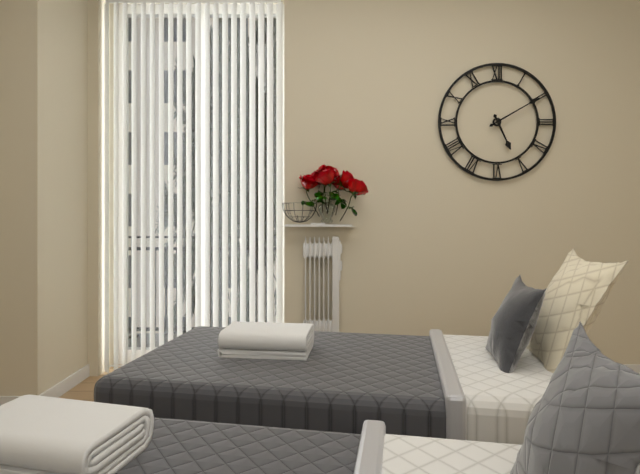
{"hour": 5, "minute": 10}
